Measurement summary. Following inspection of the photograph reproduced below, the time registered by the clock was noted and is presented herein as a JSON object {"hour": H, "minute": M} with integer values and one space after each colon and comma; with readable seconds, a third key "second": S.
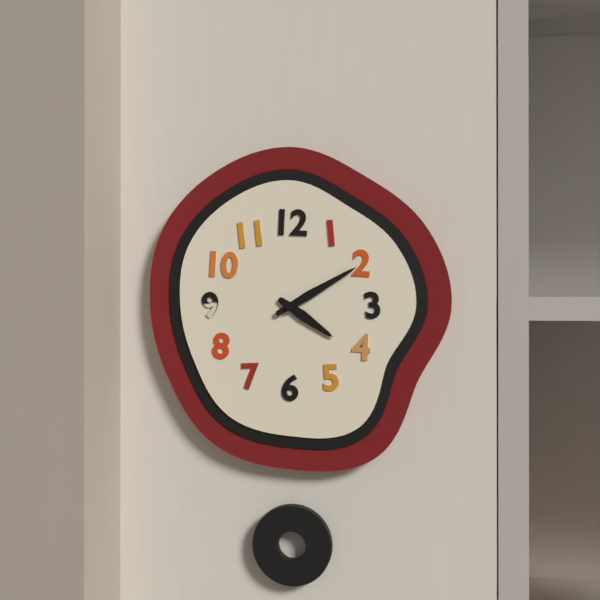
{"hour": 4, "minute": 10}
